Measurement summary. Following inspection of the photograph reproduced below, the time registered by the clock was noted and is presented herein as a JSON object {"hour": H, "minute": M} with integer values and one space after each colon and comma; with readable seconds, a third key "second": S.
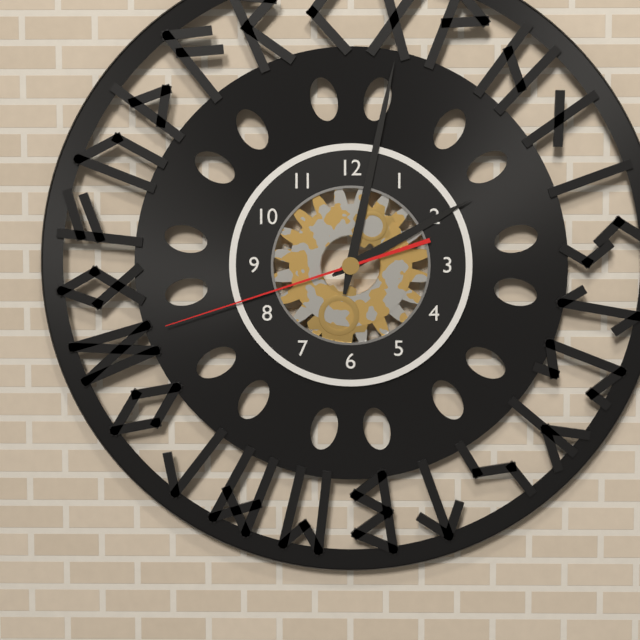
{"hour": 2, "minute": 2, "second": 42}
